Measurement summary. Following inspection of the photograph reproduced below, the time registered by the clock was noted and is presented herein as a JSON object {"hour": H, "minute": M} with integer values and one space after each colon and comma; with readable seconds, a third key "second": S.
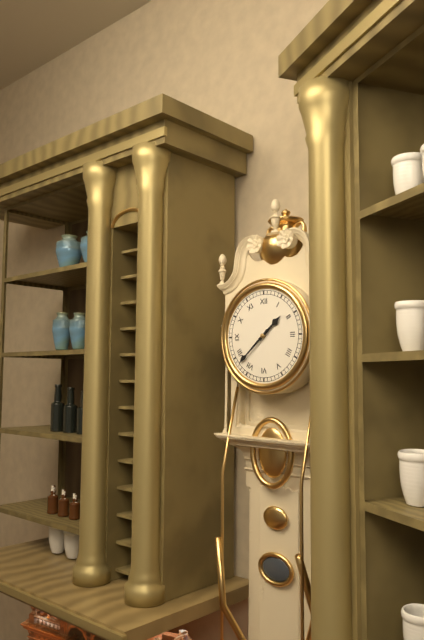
{"hour": 1, "minute": 38}
